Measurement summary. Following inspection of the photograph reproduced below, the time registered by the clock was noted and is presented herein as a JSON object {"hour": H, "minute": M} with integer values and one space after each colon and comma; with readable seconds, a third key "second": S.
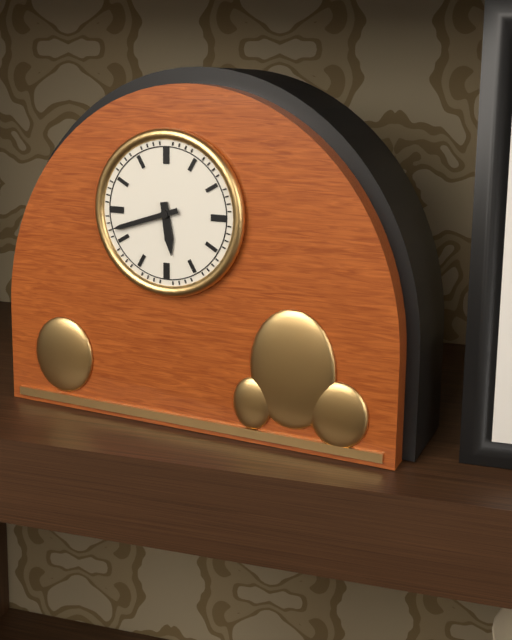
{"hour": 5, "minute": 42}
